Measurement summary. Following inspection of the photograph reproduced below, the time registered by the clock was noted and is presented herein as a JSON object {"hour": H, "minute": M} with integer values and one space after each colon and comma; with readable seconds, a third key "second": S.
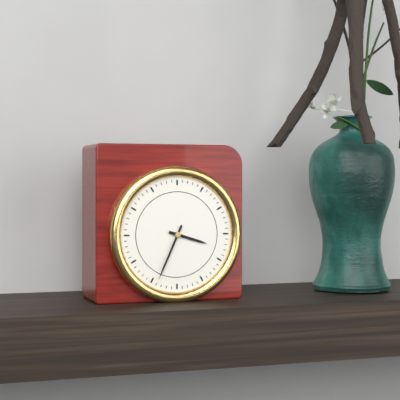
{"hour": 3, "minute": 34}
